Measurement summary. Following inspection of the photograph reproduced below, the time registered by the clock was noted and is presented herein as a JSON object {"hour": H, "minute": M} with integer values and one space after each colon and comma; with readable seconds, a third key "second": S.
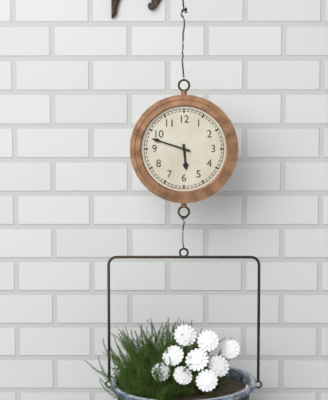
{"hour": 5, "minute": 48}
